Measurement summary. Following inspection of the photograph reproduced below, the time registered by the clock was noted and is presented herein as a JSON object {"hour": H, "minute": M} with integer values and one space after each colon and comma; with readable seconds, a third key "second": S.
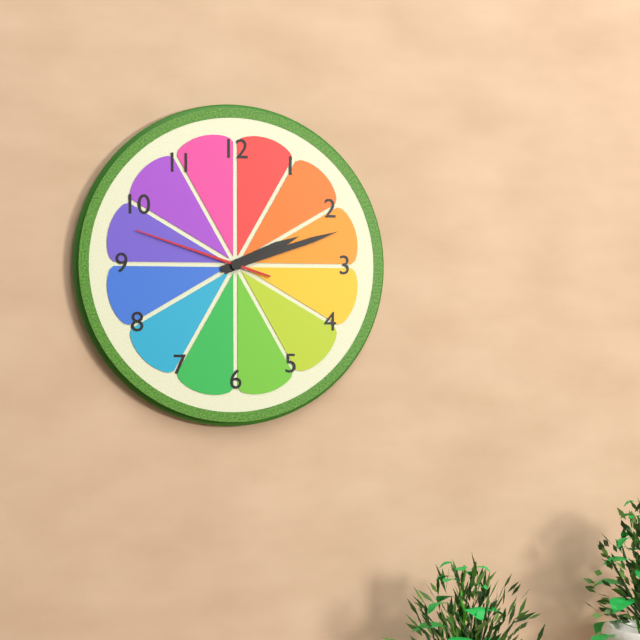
{"hour": 2, "minute": 12, "second": 48}
